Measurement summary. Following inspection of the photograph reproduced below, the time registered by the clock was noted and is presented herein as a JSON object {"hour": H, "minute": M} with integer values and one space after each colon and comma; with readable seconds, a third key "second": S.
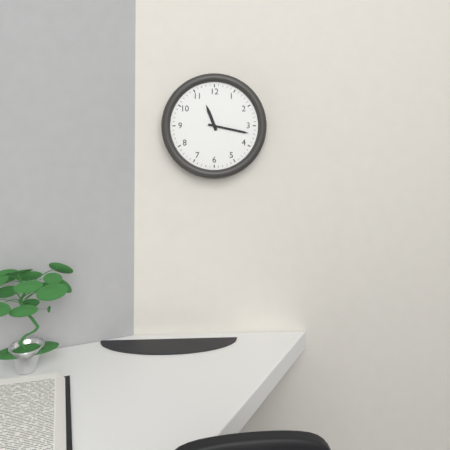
{"hour": 11, "minute": 17}
